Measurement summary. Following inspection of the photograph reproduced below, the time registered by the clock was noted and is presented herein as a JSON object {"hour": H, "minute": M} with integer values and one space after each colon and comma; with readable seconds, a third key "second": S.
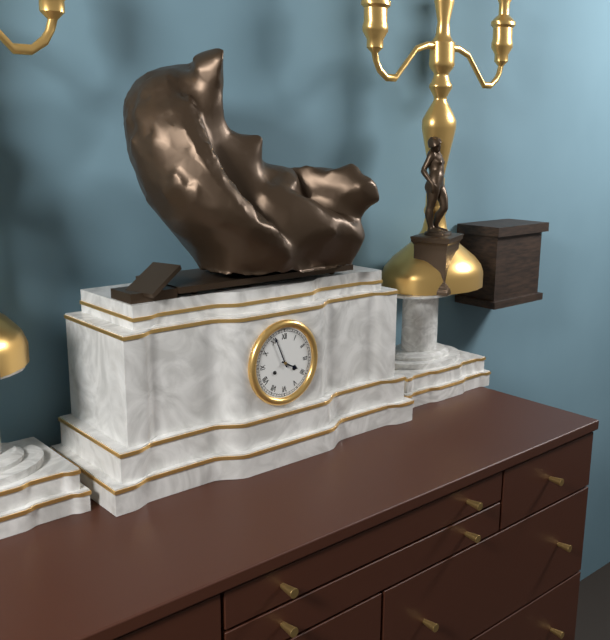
{"hour": 3, "minute": 56}
